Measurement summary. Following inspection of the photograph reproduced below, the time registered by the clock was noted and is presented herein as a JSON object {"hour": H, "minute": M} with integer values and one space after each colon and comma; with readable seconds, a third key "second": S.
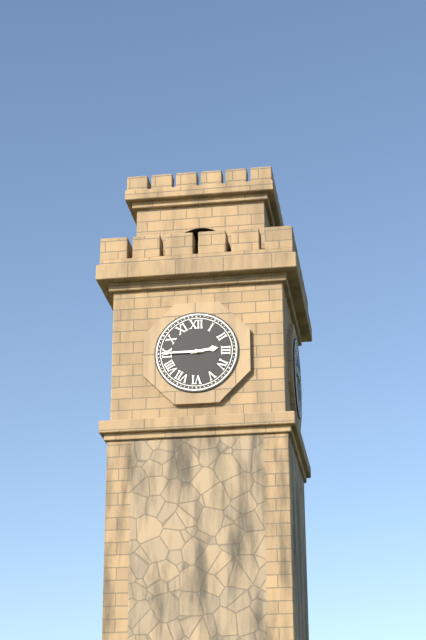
{"hour": 2, "minute": 45}
